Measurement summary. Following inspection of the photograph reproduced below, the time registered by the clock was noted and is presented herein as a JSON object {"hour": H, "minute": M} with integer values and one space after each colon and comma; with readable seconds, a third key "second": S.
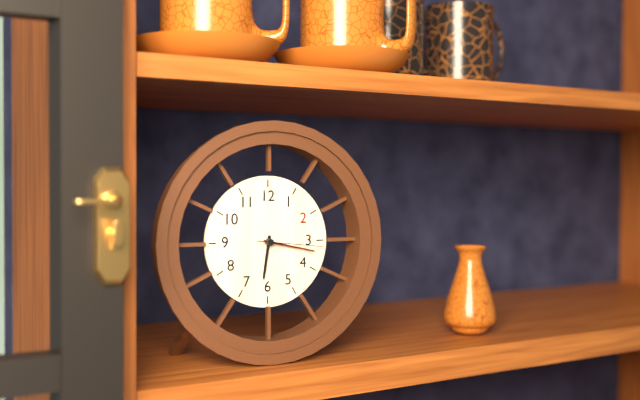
{"hour": 6, "minute": 17, "second": 16}
